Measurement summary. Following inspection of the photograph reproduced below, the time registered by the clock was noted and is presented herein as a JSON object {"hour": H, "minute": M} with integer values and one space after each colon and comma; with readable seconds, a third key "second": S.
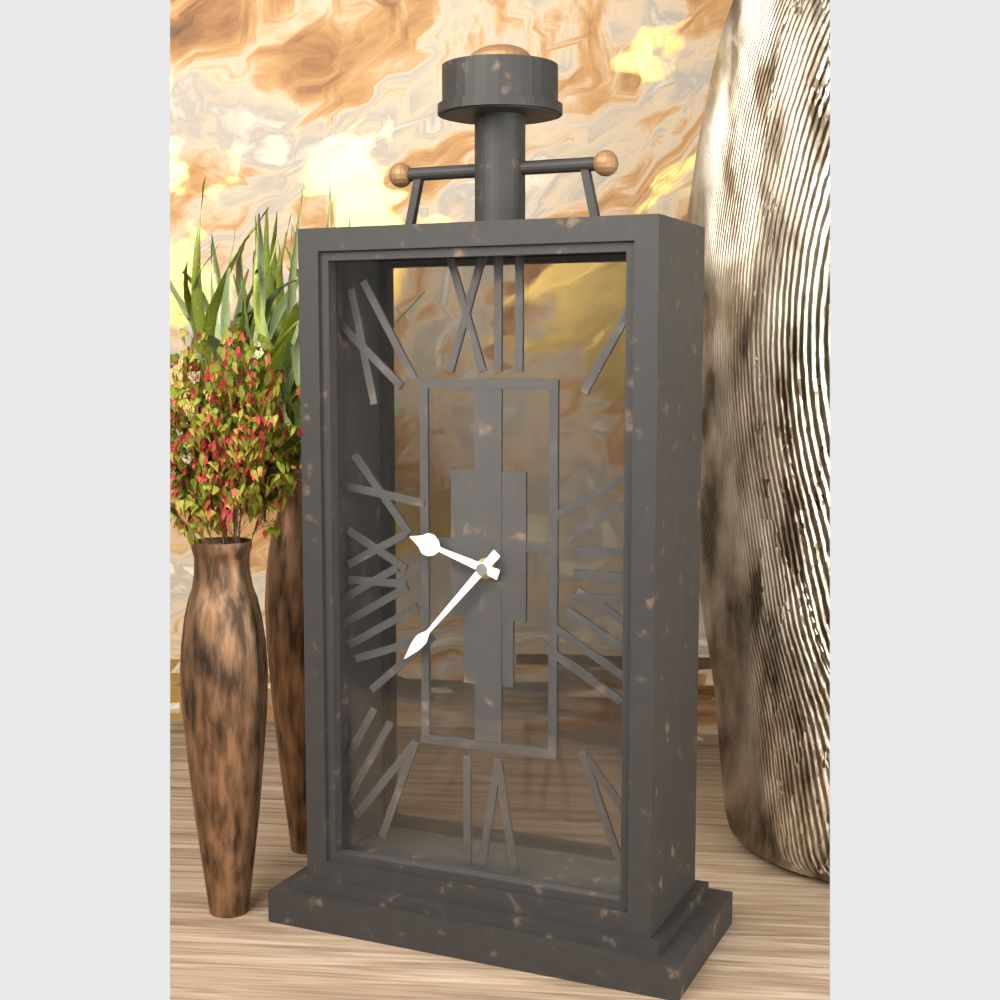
{"hour": 9, "minute": 37}
